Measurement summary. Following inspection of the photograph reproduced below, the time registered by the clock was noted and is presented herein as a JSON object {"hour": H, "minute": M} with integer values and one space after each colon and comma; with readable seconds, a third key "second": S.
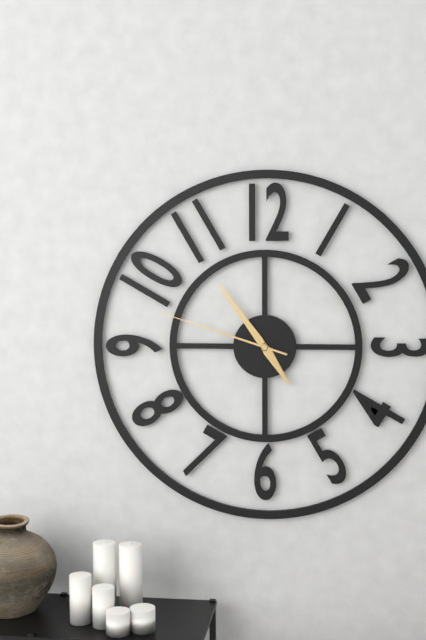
{"hour": 4, "minute": 54, "second": 48}
